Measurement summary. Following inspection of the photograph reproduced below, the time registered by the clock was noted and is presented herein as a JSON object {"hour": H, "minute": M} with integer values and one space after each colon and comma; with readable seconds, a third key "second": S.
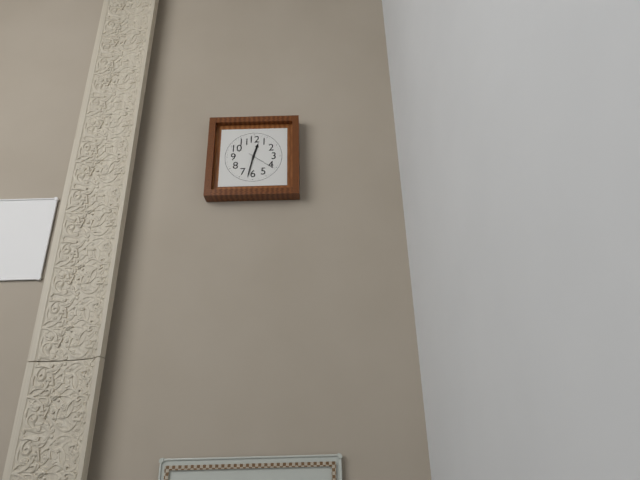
{"hour": 12, "minute": 32}
